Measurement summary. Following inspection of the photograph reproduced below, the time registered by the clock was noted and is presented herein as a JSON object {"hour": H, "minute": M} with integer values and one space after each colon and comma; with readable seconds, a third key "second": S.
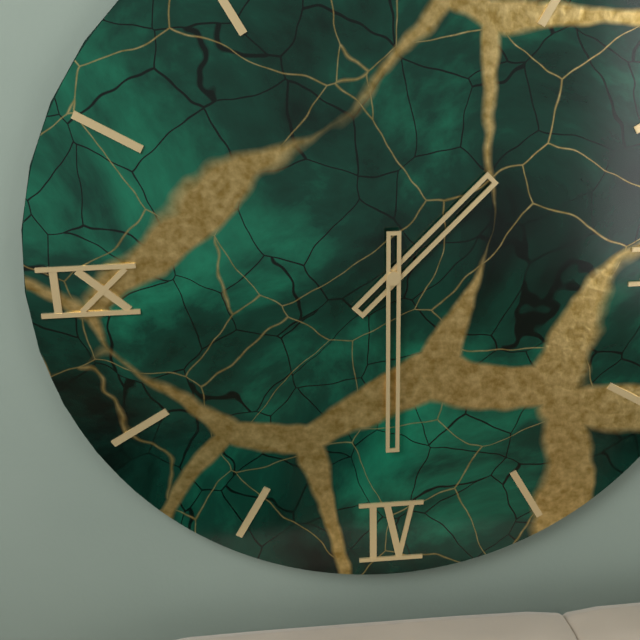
{"hour": 1, "minute": 30}
